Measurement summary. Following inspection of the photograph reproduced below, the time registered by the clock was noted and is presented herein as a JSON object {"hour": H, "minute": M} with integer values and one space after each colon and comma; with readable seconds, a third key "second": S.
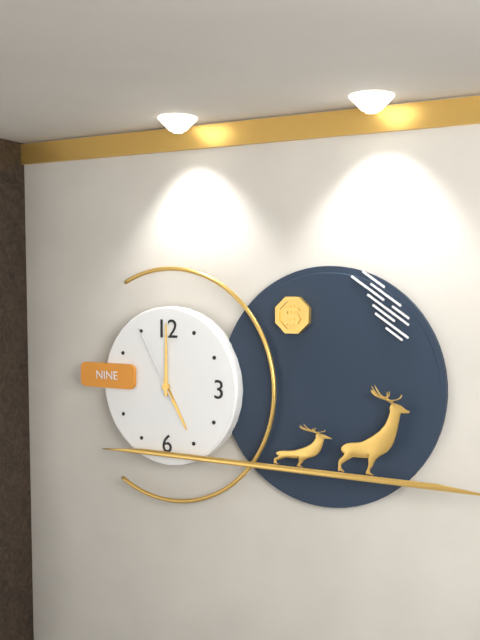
{"hour": 5, "minute": 0, "second": 55}
